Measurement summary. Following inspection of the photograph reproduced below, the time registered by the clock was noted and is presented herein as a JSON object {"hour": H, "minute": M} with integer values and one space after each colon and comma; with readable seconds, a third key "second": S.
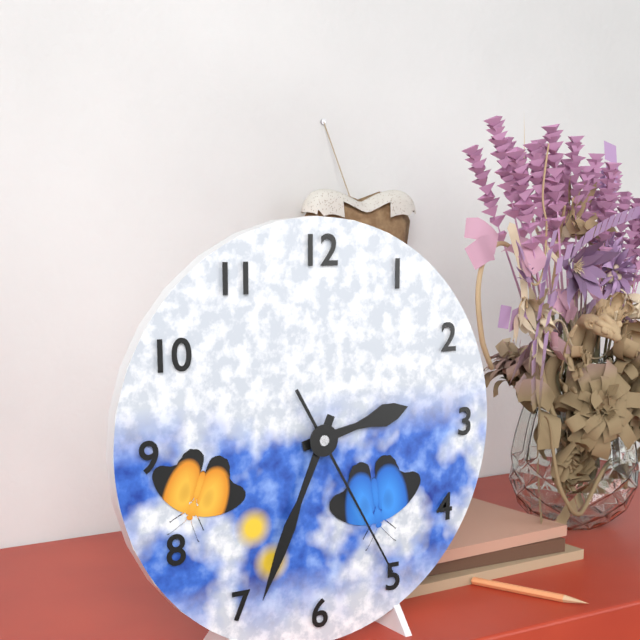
{"hour": 2, "minute": 34, "second": 25}
